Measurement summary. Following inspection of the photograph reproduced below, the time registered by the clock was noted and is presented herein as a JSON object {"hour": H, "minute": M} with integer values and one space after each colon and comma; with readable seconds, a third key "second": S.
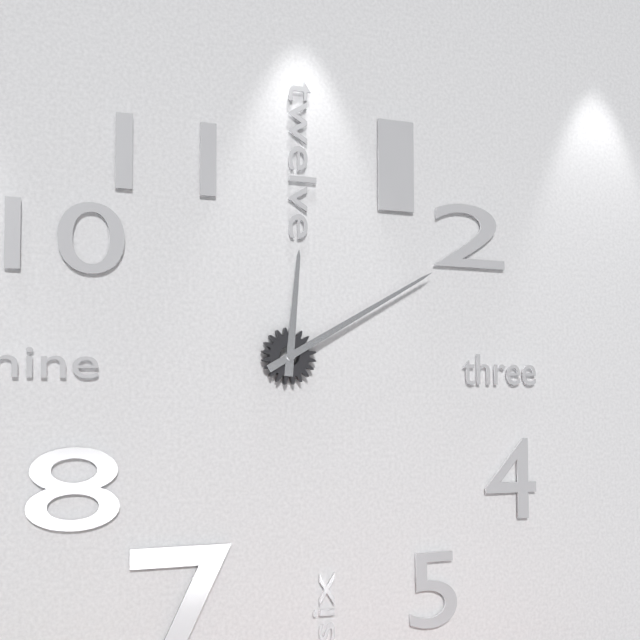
{"hour": 12, "minute": 10}
